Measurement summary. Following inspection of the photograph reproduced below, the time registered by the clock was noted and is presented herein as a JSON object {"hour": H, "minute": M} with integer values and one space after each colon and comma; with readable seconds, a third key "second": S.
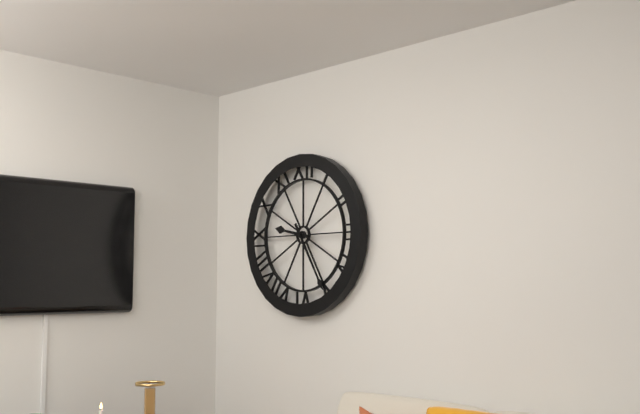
{"hour": 9, "minute": 25}
